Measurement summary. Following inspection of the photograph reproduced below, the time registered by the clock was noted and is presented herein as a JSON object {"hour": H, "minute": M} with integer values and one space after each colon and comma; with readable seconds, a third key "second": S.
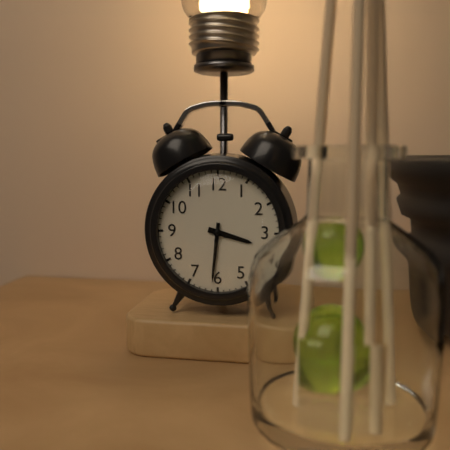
{"hour": 3, "minute": 31}
